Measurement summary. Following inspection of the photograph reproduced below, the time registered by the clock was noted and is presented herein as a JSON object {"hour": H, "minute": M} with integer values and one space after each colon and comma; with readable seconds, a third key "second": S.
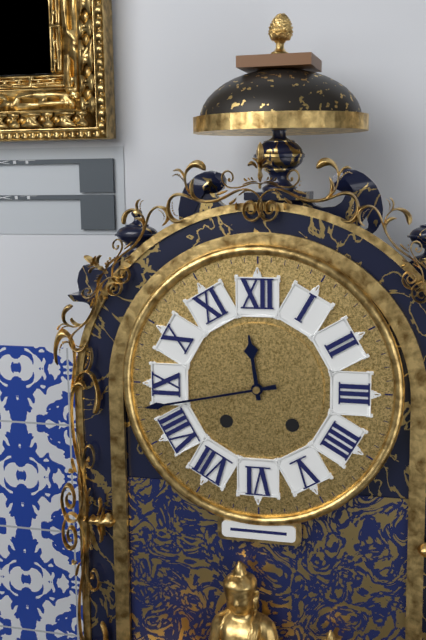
{"hour": 11, "minute": 43}
